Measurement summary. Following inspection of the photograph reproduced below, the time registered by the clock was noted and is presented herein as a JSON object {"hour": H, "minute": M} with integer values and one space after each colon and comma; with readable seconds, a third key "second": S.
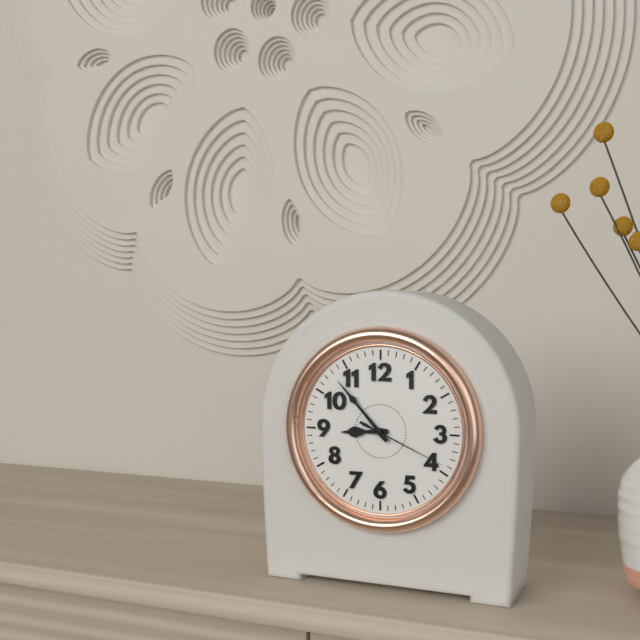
{"hour": 8, "minute": 53, "second": 19}
